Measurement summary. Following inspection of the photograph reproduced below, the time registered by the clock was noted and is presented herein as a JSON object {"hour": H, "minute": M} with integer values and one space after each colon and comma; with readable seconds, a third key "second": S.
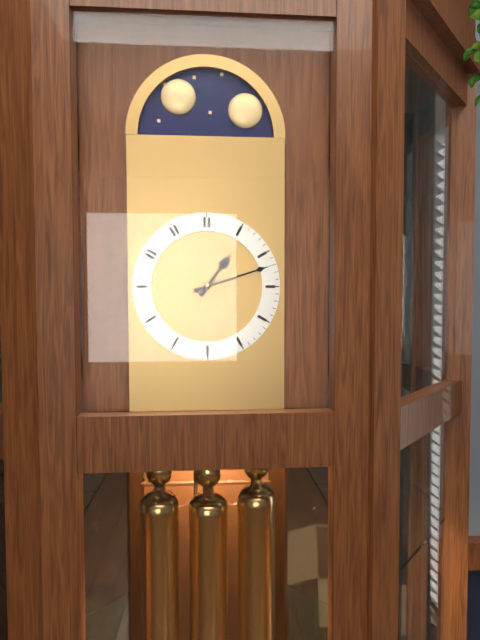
{"hour": 1, "minute": 12}
